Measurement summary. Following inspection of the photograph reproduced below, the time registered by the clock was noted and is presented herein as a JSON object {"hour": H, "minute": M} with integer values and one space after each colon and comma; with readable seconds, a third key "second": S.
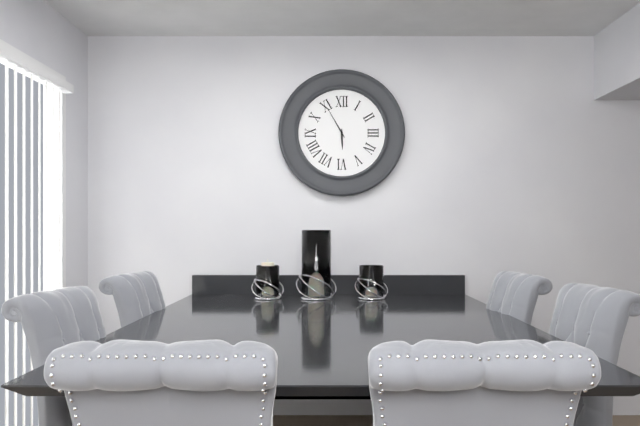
{"hour": 5, "minute": 55}
